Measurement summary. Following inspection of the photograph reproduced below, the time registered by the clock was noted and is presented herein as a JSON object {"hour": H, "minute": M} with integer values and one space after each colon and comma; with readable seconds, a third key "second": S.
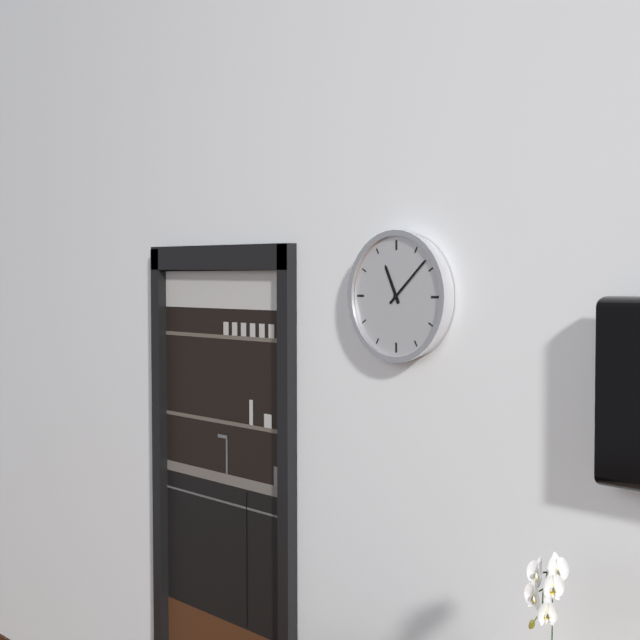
{"hour": 11, "minute": 8}
